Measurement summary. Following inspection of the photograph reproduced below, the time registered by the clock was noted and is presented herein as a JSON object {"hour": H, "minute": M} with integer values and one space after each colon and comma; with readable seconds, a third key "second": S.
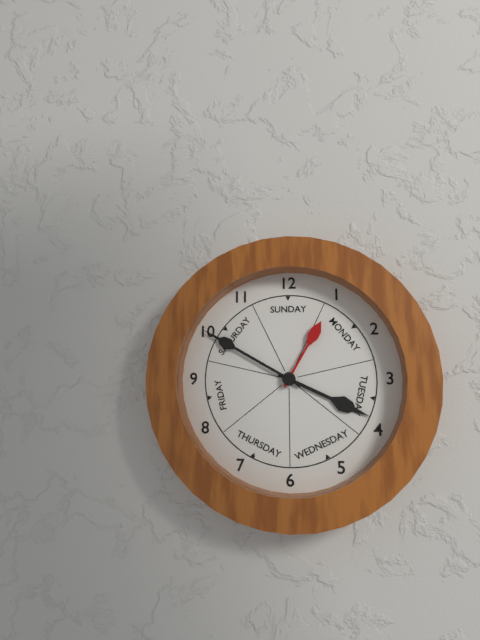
{"hour": 3, "minute": 50, "second": 5}
